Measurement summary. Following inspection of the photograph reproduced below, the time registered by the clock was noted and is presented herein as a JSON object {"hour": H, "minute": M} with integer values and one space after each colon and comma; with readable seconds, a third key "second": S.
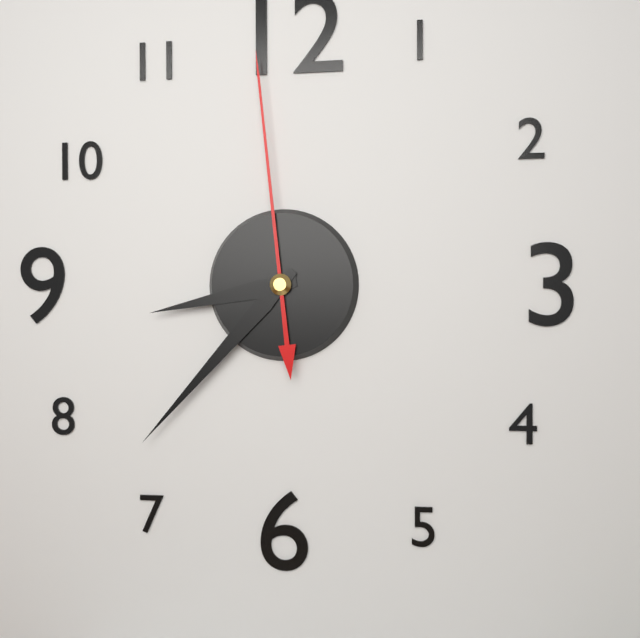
{"hour": 8, "minute": 37, "second": 59}
